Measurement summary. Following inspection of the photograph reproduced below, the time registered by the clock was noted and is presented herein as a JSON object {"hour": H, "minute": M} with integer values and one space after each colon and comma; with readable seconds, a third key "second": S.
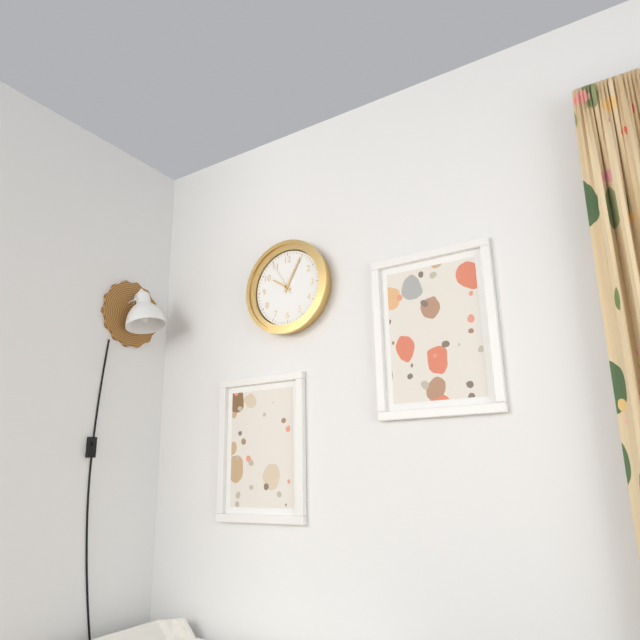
{"hour": 10, "minute": 5}
